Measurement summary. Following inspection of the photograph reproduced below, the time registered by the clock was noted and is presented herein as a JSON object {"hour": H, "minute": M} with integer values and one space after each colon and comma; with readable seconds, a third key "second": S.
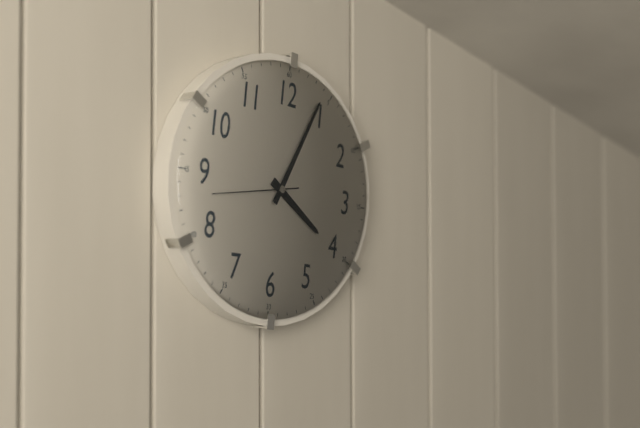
{"hour": 4, "minute": 4, "second": 43}
